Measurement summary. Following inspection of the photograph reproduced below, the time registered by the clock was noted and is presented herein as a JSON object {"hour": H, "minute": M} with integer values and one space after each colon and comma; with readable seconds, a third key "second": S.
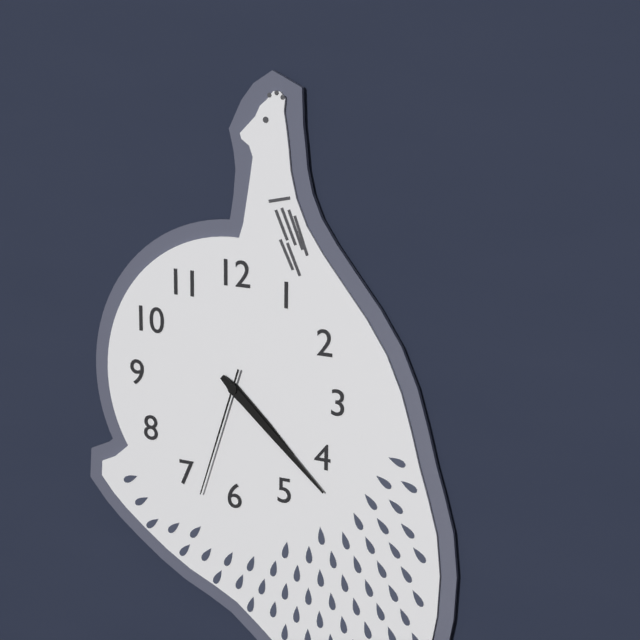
{"hour": 4, "minute": 22, "second": 33}
